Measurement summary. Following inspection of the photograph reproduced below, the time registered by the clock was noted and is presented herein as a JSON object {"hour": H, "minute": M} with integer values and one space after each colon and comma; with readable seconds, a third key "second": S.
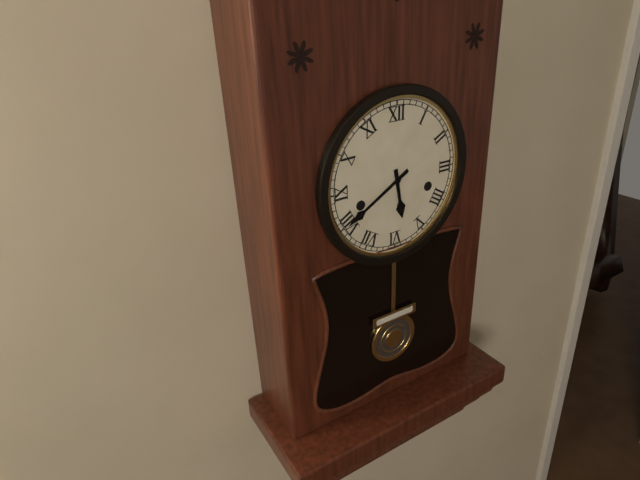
{"hour": 5, "minute": 40}
